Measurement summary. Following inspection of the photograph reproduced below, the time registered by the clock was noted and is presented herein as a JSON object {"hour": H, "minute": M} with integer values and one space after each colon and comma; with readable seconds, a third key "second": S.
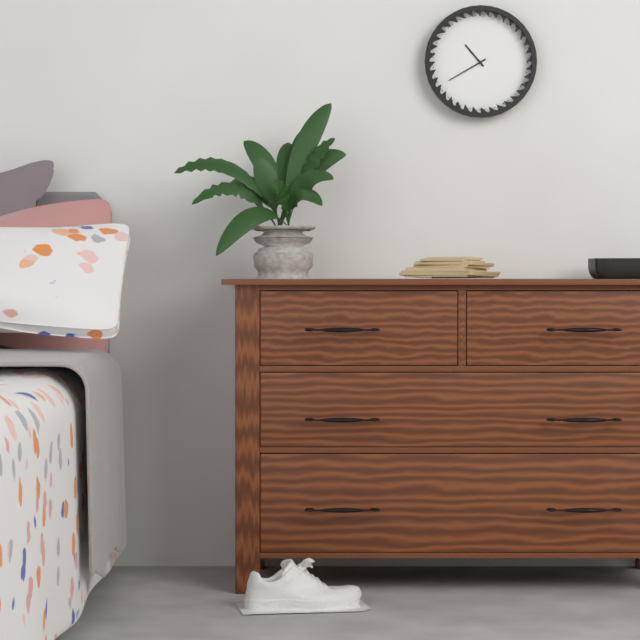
{"hour": 10, "minute": 40}
